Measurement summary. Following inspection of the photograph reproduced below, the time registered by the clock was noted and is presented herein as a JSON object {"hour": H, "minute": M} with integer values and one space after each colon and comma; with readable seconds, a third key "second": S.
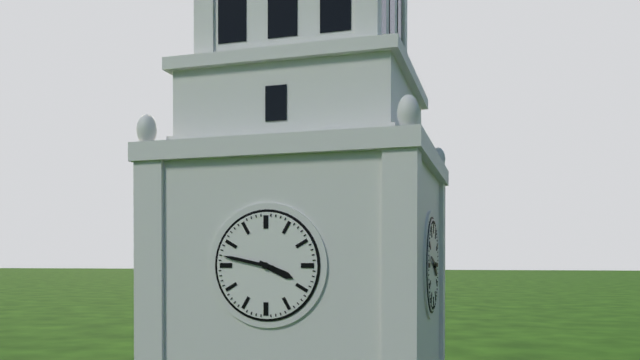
{"hour": 3, "minute": 47}
